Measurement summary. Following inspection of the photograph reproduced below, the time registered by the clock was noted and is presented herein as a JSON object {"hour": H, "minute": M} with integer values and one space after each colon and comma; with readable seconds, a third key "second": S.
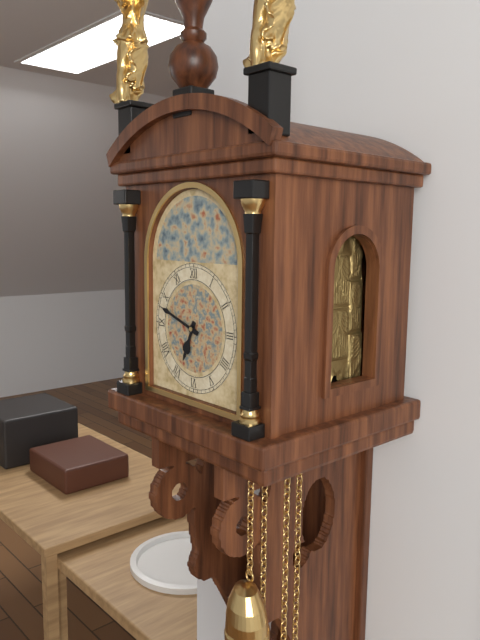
{"hour": 6, "minute": 48}
